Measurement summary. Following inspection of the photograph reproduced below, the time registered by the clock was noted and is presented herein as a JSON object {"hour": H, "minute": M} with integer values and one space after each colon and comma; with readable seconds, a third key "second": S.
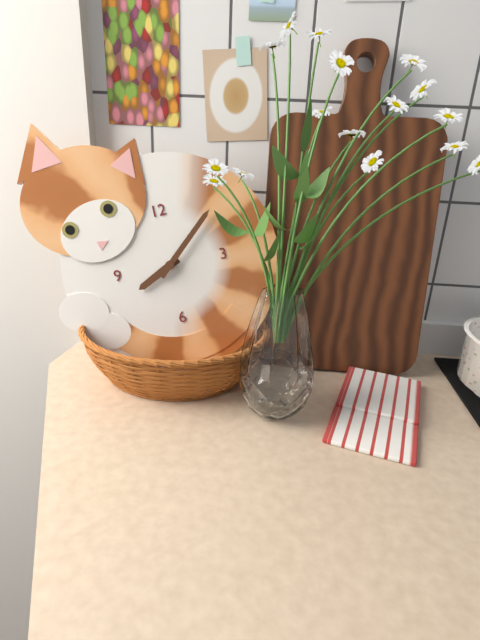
{"hour": 8, "minute": 8}
